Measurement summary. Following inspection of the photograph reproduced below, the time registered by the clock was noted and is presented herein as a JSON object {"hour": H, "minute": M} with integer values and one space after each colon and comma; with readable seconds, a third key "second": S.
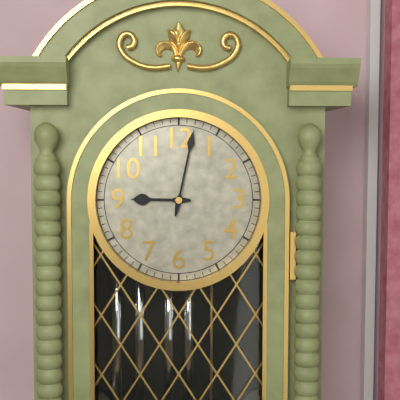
{"hour": 9, "minute": 2}
